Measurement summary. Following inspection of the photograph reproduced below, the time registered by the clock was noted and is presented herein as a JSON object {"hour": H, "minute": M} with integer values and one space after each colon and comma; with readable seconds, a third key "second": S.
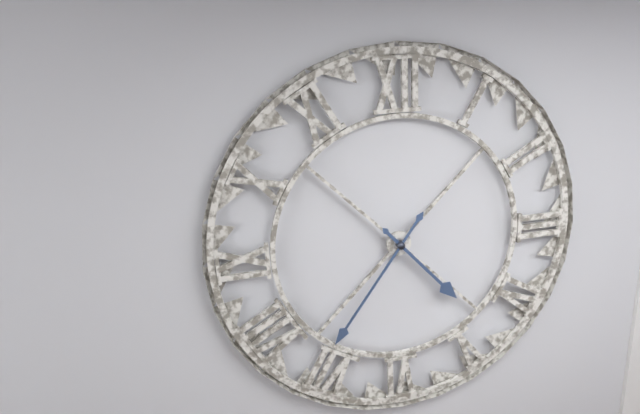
{"hour": 4, "minute": 36}
